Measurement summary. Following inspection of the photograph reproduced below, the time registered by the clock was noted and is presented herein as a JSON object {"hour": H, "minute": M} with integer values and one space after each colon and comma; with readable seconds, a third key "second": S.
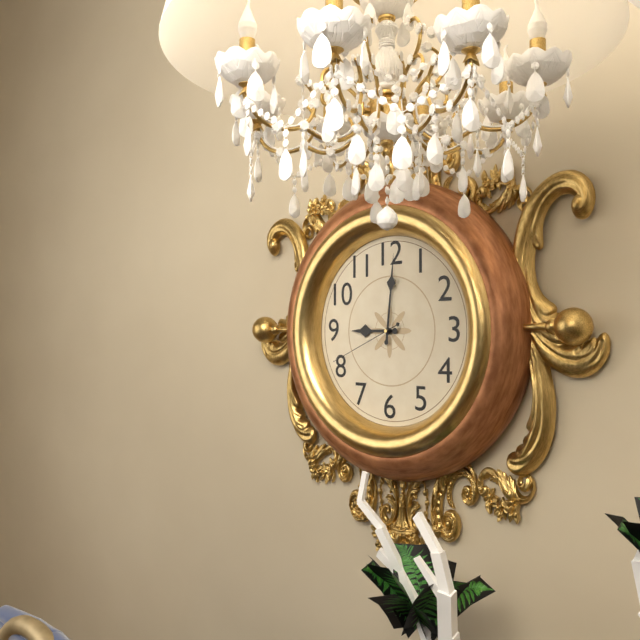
{"hour": 9, "minute": 1, "second": 41}
